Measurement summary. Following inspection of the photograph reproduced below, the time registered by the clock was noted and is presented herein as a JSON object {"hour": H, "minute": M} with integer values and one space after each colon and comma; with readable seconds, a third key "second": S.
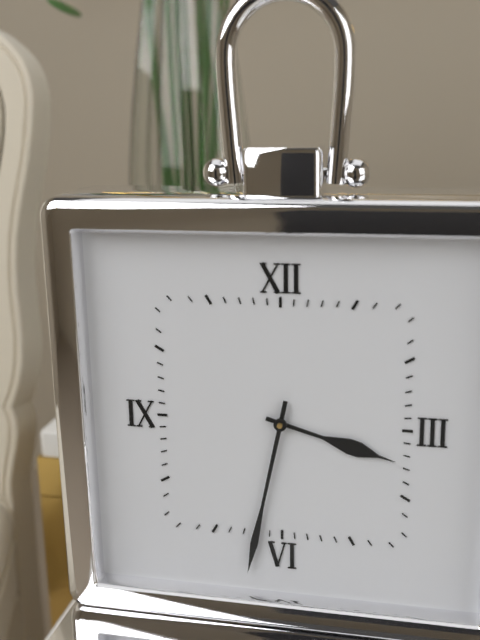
{"hour": 3, "minute": 32}
